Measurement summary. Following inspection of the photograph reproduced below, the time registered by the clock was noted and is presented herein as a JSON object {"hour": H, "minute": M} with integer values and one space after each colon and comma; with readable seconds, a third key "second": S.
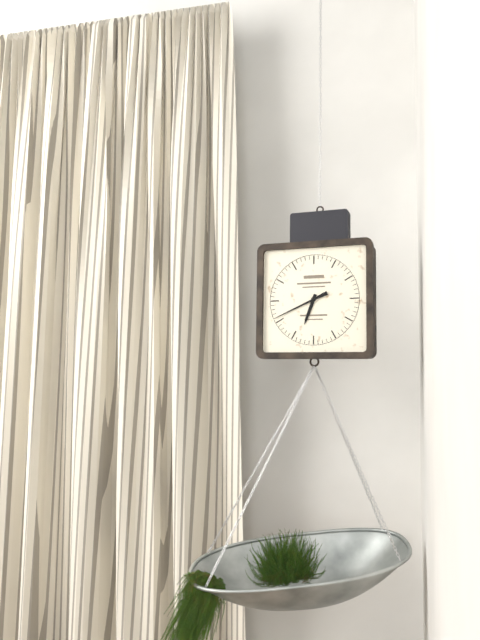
{"hour": 6, "minute": 41}
